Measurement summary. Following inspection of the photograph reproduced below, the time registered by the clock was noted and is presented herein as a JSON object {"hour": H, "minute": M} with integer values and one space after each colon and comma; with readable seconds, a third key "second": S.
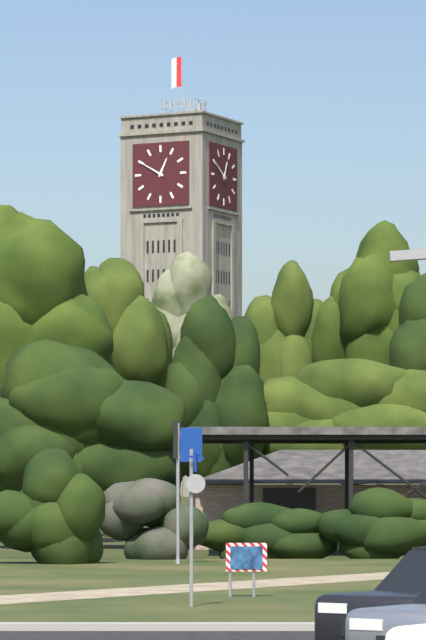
{"hour": 12, "minute": 50}
